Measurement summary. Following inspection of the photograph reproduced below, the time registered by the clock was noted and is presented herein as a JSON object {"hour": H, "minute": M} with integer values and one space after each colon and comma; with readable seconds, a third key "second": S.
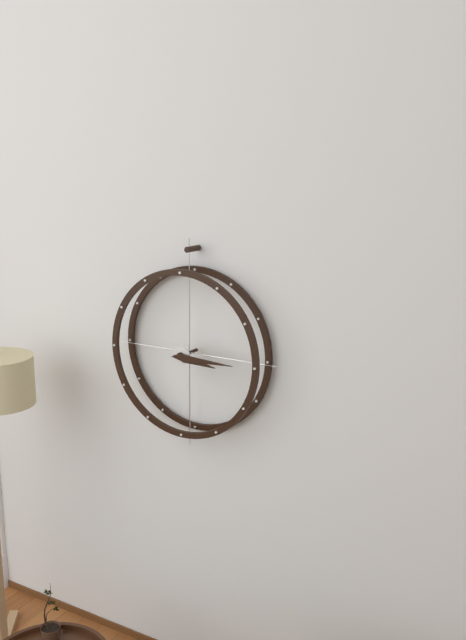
{"hour": 3, "minute": 15}
